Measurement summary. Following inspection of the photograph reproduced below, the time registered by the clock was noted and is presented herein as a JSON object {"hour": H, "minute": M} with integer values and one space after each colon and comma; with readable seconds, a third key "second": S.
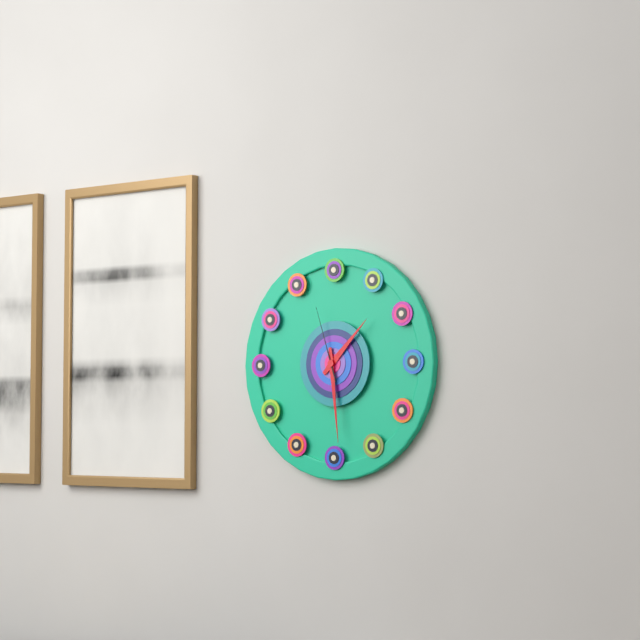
{"hour": 1, "minute": 29, "second": 57}
